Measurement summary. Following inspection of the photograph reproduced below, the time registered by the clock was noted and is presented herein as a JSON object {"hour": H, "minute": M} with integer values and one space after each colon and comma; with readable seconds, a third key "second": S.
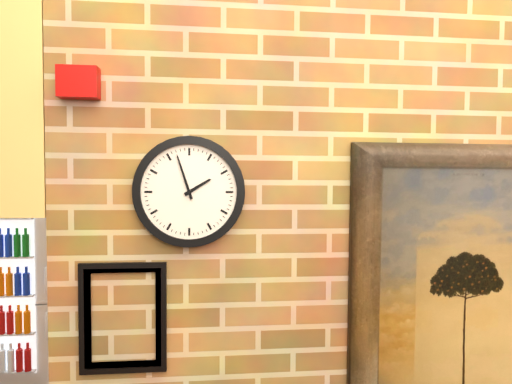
{"hour": 1, "minute": 57}
